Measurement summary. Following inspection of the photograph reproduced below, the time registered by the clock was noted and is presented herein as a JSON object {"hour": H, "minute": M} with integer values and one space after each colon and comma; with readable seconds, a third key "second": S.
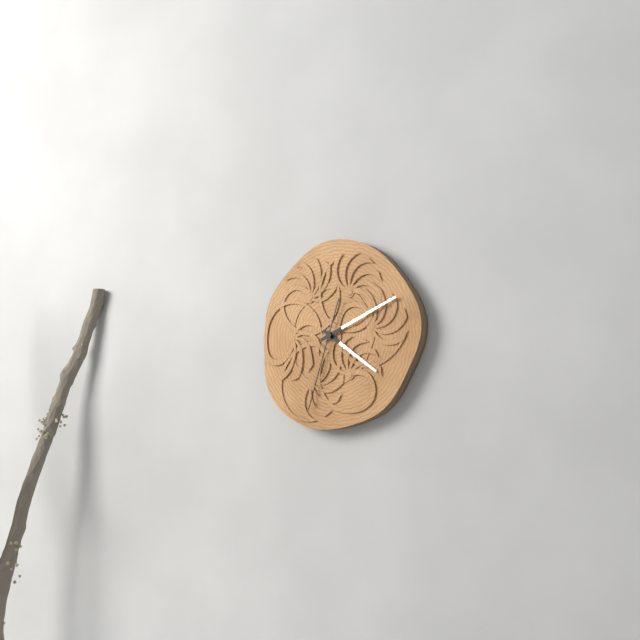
{"hour": 4, "minute": 11, "second": 33}
